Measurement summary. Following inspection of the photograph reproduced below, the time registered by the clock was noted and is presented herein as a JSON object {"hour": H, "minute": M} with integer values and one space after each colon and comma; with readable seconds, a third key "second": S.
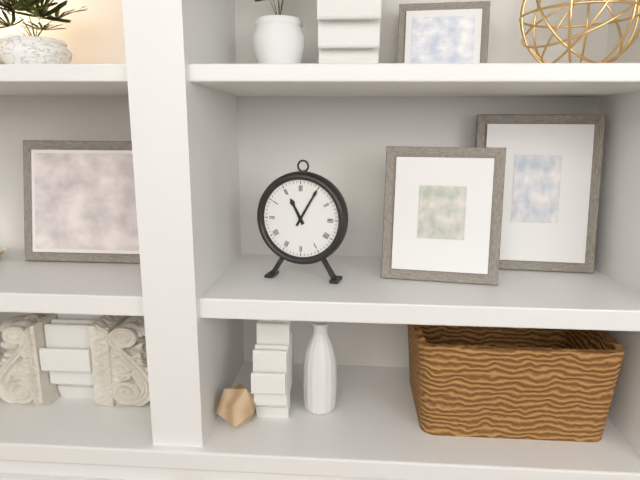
{"hour": 11, "minute": 5}
